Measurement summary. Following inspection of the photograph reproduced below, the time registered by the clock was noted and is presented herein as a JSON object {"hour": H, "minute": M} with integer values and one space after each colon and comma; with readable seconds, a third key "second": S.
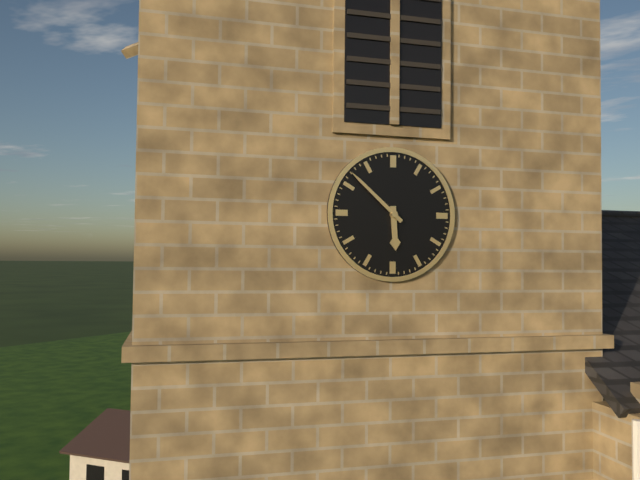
{"hour": 5, "minute": 52}
